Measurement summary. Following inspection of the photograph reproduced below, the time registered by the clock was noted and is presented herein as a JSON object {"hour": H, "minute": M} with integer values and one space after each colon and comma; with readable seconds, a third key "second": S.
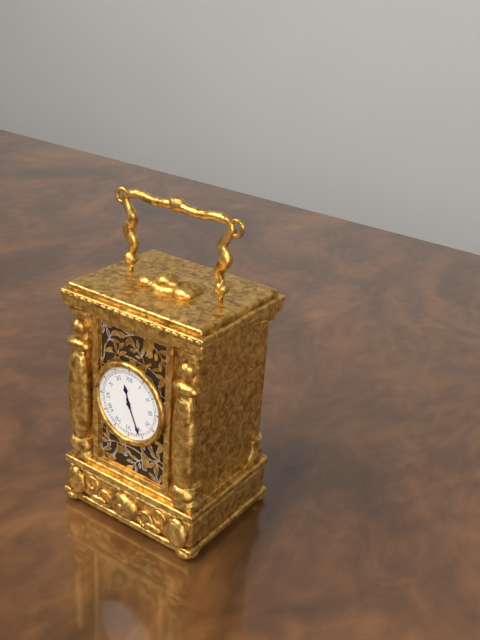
{"hour": 11, "minute": 26}
